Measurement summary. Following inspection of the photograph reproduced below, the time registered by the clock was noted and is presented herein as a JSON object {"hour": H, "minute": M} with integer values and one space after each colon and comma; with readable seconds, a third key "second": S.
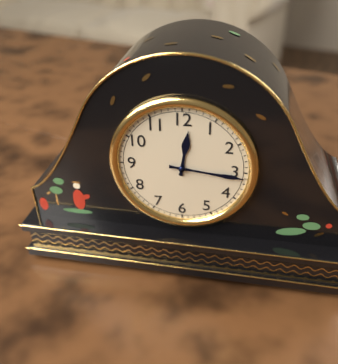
{"hour": 12, "minute": 16}
